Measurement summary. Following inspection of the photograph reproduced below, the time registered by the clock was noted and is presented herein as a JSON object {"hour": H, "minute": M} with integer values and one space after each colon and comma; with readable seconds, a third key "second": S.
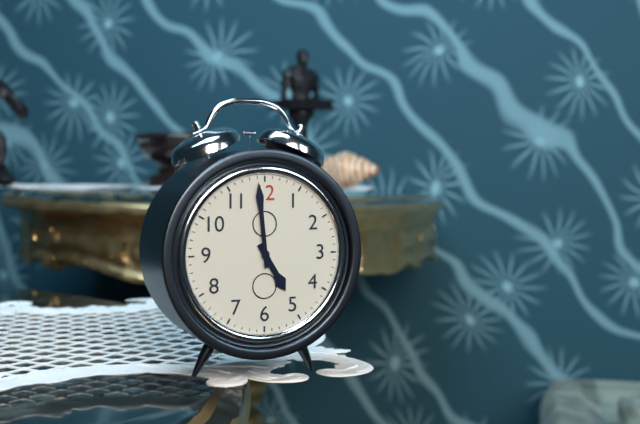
{"hour": 4, "minute": 59}
